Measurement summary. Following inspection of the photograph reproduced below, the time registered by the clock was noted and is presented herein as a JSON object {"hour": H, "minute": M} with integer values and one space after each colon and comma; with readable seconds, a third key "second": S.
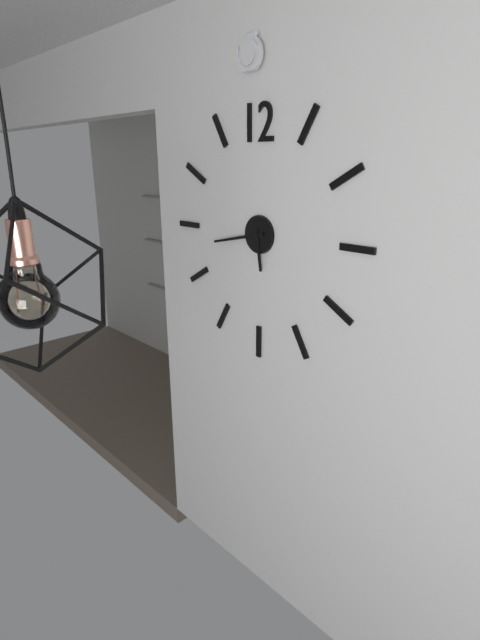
{"hour": 5, "minute": 43}
